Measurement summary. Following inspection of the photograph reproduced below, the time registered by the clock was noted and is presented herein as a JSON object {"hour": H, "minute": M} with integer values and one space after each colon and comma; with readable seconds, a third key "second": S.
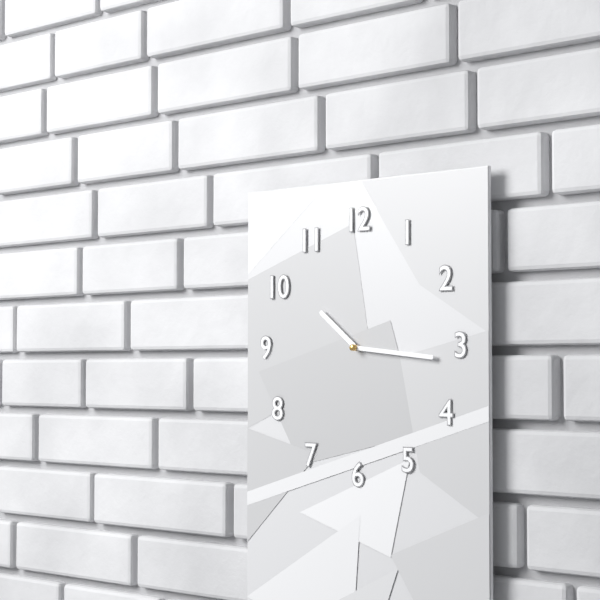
{"hour": 10, "minute": 16}
